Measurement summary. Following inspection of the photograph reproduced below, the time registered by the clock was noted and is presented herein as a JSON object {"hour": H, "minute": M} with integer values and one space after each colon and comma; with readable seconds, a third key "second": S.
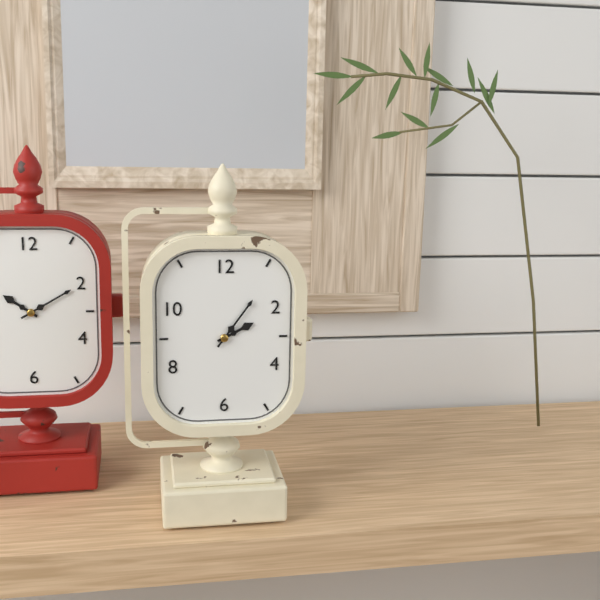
{"hour": 2, "minute": 6}
